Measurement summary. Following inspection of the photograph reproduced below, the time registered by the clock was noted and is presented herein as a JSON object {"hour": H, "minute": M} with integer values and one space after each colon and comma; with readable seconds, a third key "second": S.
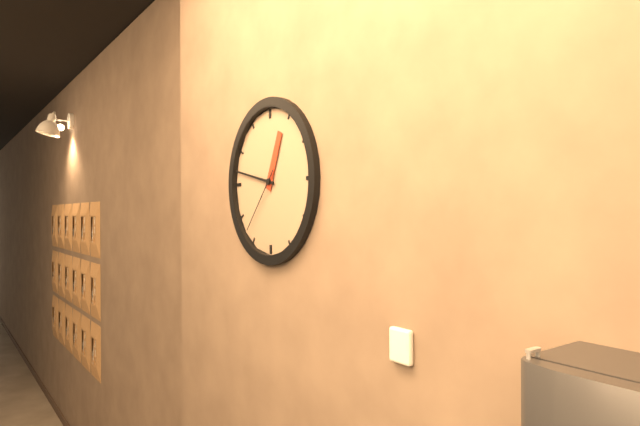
{"hour": 12, "minute": 47, "second": 37}
